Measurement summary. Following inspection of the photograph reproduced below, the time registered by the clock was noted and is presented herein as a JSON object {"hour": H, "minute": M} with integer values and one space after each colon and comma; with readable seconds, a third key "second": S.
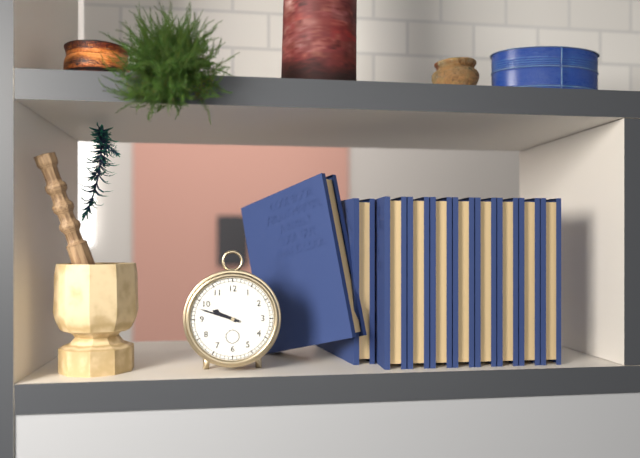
{"hour": 9, "minute": 48}
